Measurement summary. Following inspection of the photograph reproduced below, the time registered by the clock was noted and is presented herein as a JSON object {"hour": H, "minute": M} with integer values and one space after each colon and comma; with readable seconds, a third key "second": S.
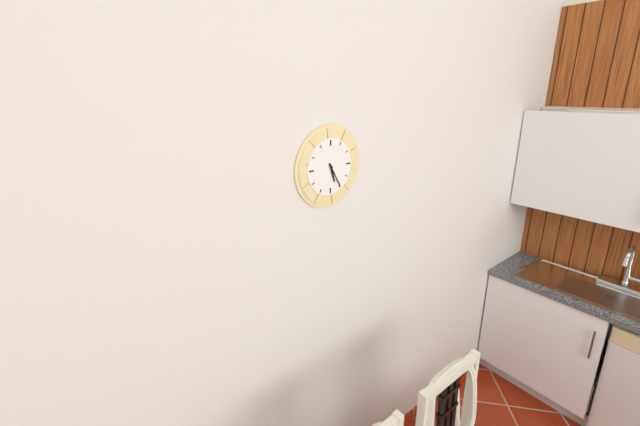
{"hour": 5, "minute": 25}
